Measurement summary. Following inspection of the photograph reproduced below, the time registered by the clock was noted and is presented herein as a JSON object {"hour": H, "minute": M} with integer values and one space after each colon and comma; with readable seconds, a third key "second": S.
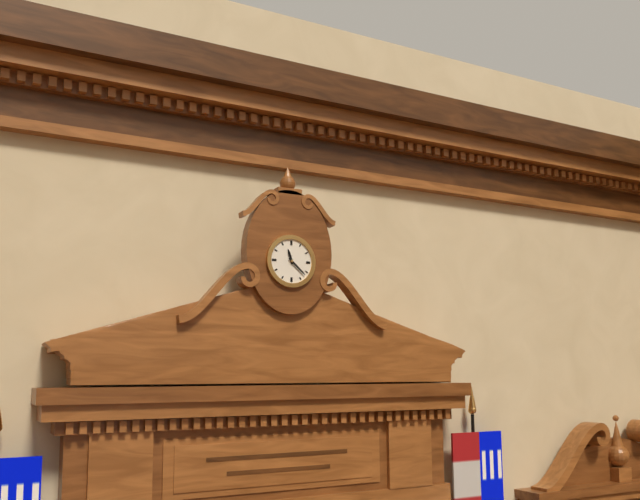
{"hour": 11, "minute": 22}
